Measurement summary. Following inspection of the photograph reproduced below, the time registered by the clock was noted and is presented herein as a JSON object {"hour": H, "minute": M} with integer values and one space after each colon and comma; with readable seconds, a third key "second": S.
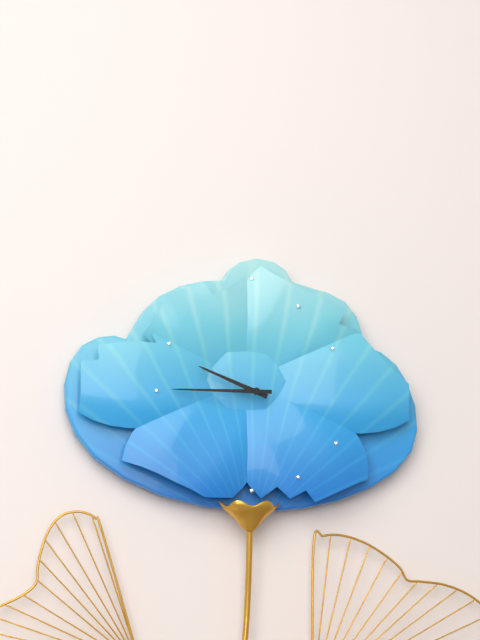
{"hour": 9, "minute": 45}
